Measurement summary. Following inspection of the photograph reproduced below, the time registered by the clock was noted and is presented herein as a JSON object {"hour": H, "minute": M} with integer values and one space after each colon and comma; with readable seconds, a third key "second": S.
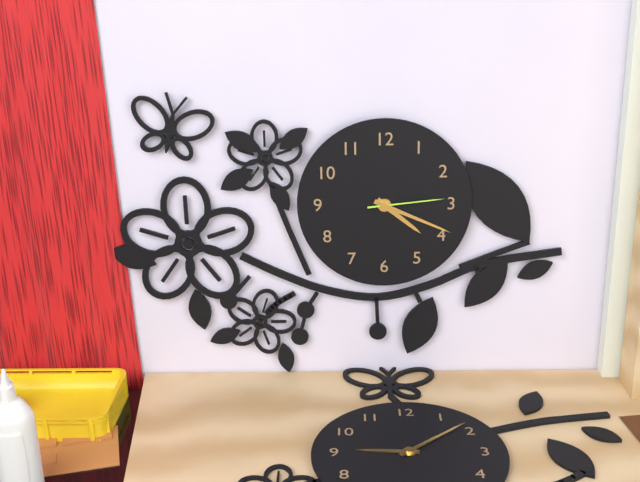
{"hour": 4, "minute": 19, "second": 14}
